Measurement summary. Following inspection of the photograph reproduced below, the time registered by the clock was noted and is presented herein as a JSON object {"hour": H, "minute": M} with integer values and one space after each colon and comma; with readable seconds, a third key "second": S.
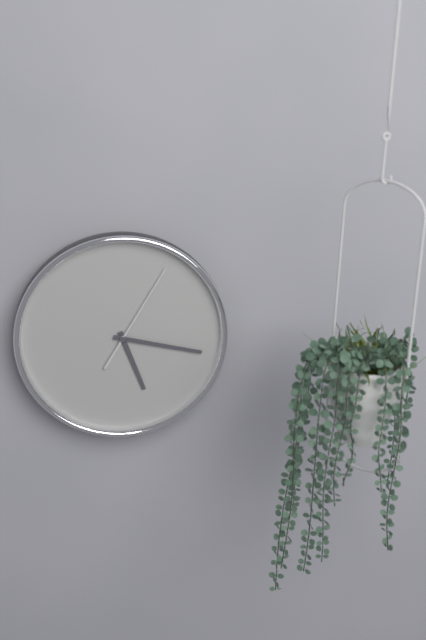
{"hour": 5, "minute": 17, "second": 5}
